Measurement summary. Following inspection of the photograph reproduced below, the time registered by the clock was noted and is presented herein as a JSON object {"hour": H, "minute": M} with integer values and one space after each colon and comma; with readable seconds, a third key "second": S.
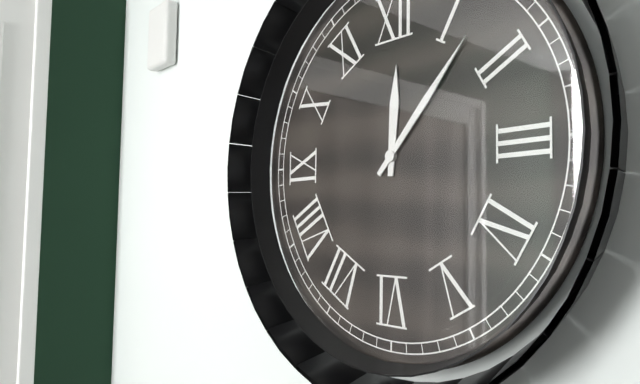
{"hour": 12, "minute": 7}
